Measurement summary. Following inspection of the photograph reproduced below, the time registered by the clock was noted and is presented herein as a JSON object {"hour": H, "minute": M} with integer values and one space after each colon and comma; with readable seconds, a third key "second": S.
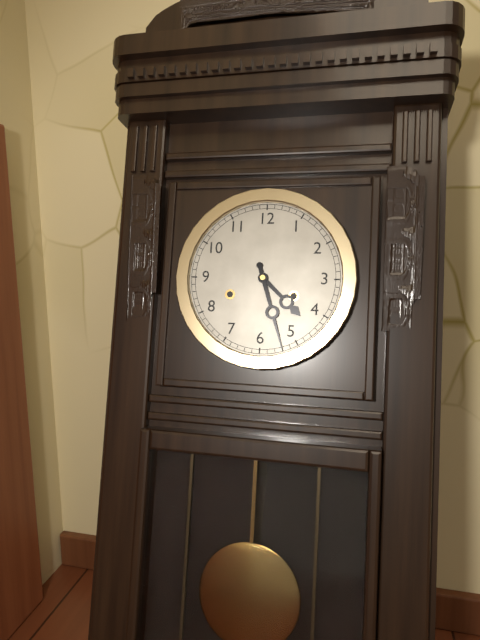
{"hour": 4, "minute": 27}
